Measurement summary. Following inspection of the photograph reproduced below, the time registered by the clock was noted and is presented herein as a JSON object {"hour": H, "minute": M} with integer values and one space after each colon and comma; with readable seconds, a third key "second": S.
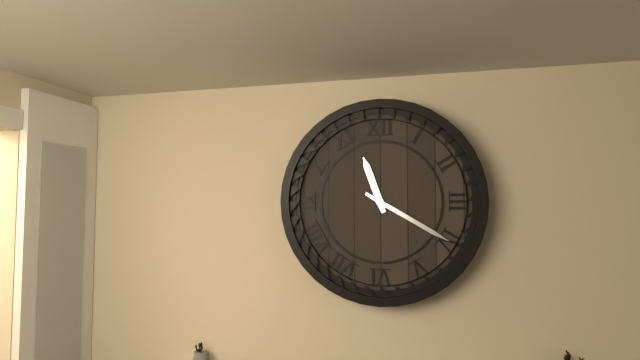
{"hour": 11, "minute": 20}
